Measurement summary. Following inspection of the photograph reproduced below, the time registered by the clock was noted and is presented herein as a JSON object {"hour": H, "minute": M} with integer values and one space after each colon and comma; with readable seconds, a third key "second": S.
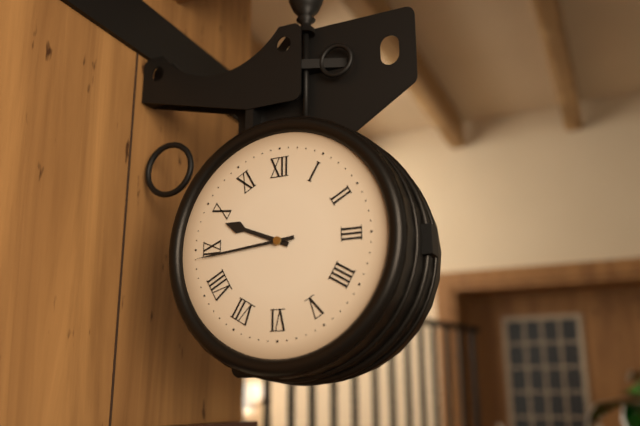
{"hour": 9, "minute": 44}
